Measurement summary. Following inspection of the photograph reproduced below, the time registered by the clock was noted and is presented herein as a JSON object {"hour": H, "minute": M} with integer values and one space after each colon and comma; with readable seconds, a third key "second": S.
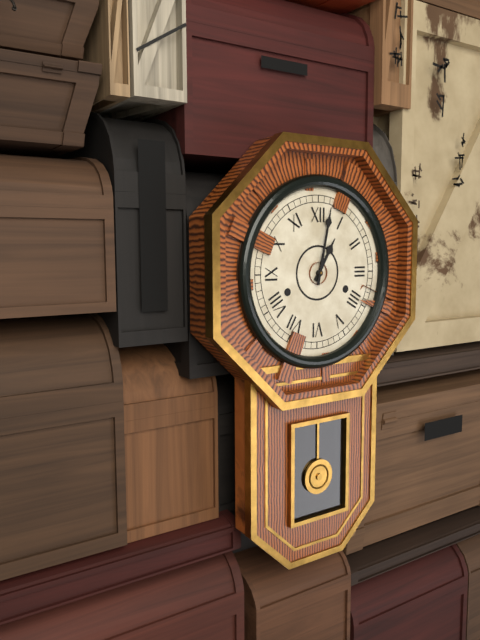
{"hour": 1, "minute": 2}
